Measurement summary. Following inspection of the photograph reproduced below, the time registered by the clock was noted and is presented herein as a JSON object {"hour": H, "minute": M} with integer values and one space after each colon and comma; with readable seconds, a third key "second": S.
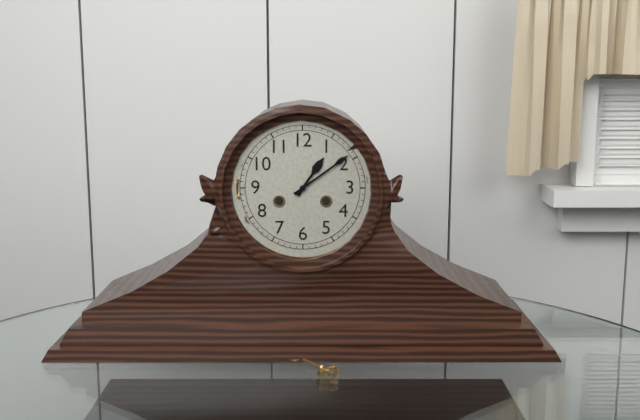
{"hour": 1, "minute": 9}
